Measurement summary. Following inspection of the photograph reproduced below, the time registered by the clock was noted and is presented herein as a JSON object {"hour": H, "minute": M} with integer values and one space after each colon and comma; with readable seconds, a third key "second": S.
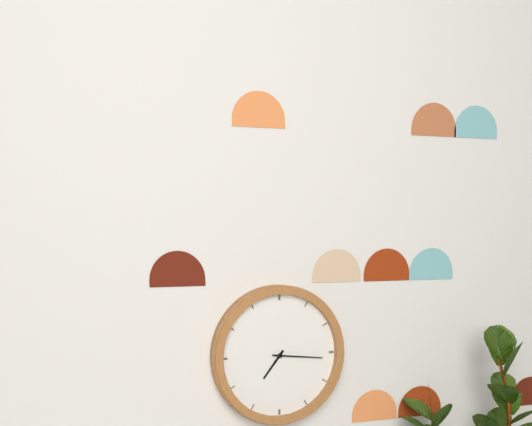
{"hour": 7, "minute": 16}
